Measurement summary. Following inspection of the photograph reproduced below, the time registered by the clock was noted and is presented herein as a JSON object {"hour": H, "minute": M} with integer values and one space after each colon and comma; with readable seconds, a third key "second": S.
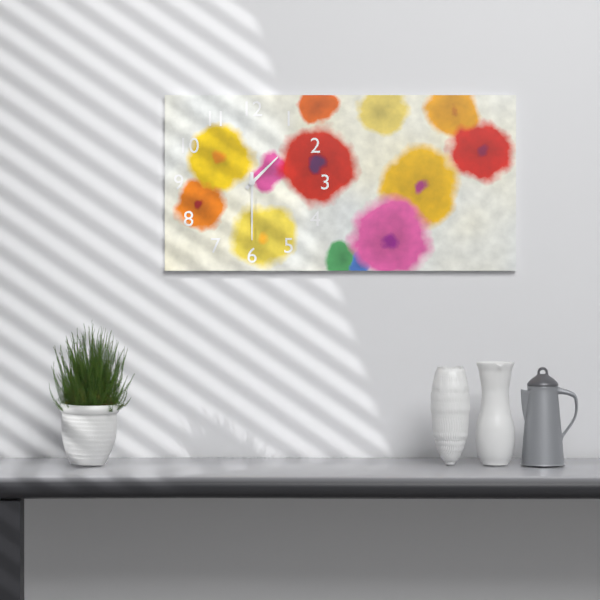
{"hour": 1, "minute": 30}
